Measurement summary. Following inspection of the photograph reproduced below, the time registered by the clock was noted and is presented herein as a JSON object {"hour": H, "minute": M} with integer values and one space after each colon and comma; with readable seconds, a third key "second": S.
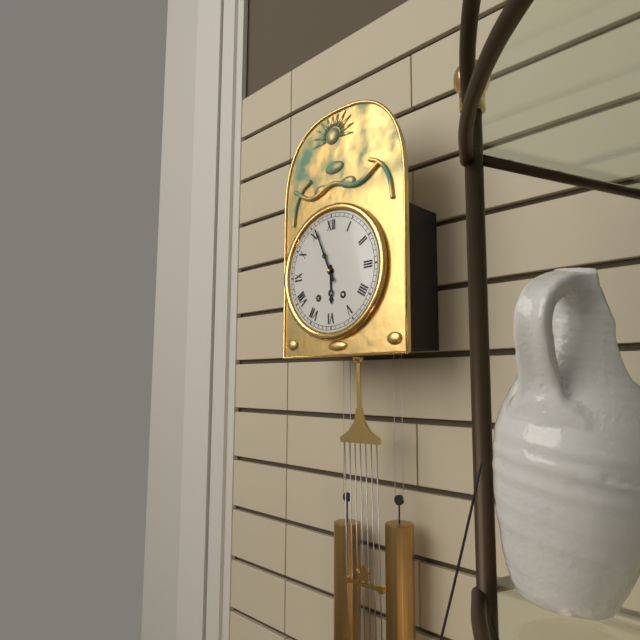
{"hour": 5, "minute": 56}
